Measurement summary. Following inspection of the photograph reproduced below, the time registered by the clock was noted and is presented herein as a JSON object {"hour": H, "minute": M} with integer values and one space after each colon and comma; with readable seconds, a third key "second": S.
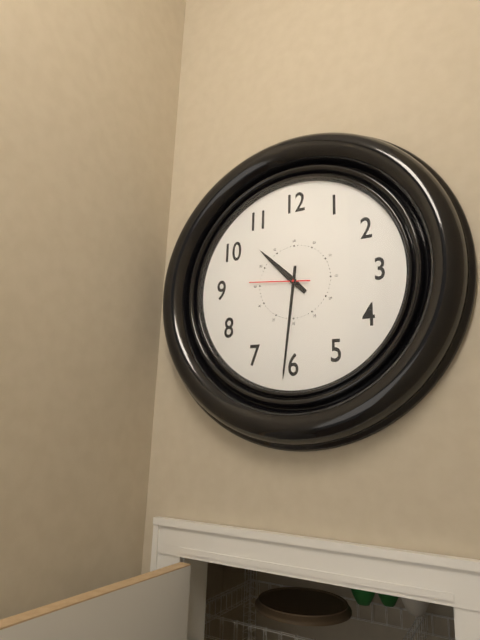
{"hour": 10, "minute": 31, "second": 46}
